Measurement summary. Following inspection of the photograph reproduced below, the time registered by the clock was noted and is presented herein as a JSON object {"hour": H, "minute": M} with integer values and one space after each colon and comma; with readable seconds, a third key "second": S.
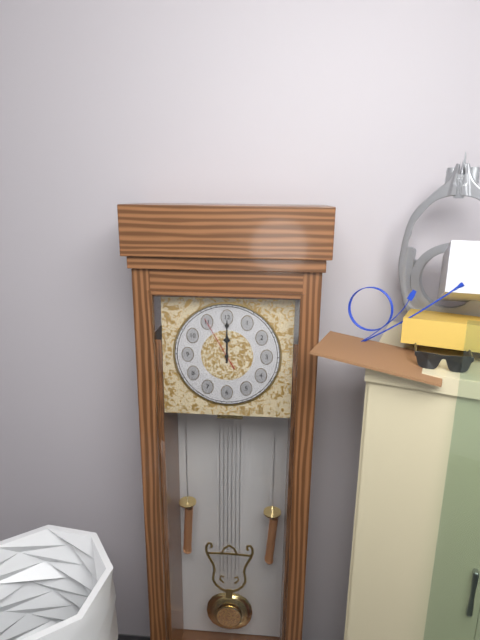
{"hour": 12, "minute": 0, "second": 55}
